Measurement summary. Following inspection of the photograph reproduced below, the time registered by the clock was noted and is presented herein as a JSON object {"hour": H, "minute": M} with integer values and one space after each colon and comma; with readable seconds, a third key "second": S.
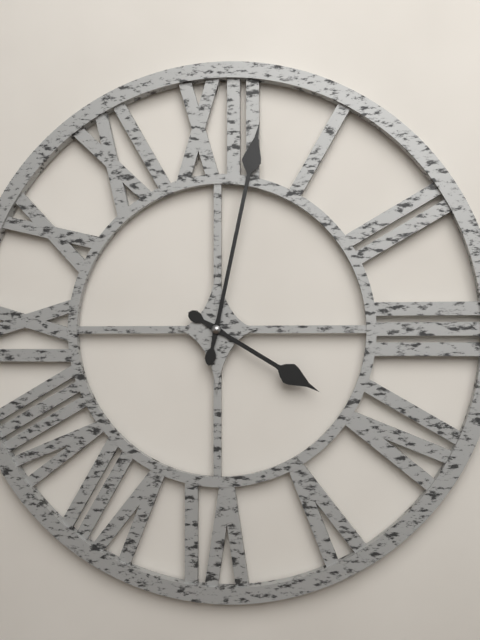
{"hour": 4, "minute": 2}
